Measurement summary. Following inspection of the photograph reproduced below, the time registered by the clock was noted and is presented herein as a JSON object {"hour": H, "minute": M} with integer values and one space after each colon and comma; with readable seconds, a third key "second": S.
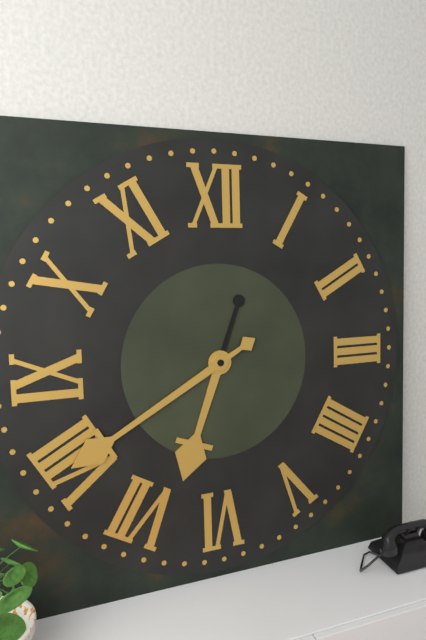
{"hour": 6, "minute": 40}
